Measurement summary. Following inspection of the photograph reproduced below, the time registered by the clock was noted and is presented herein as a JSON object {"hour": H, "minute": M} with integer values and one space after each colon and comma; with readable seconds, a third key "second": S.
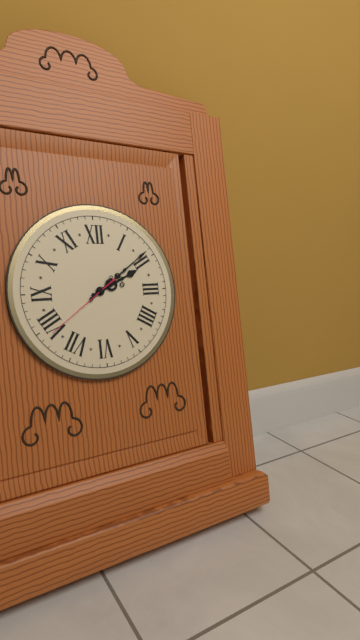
{"hour": 2, "minute": 9, "second": 39}
